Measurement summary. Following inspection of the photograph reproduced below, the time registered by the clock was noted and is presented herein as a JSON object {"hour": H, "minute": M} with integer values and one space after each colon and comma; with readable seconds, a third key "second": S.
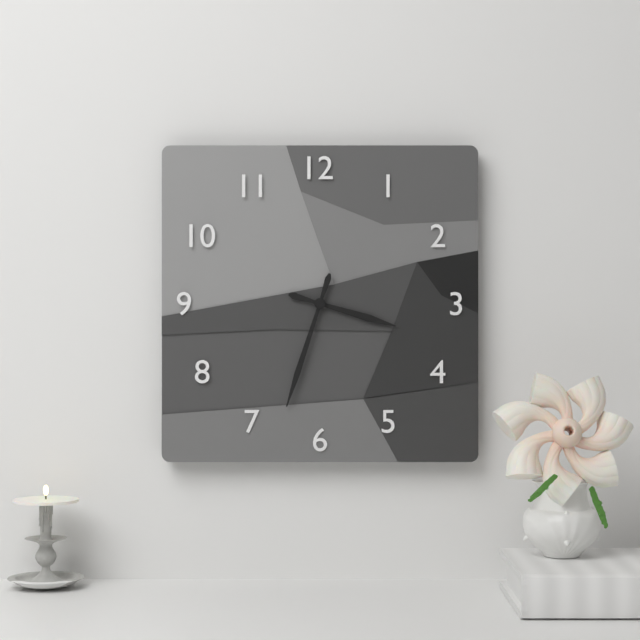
{"hour": 3, "minute": 33}
